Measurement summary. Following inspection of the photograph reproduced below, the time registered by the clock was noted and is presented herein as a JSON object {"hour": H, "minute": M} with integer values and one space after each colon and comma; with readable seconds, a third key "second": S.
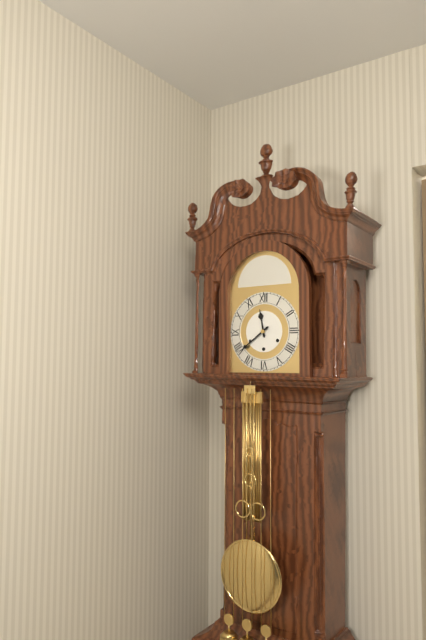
{"hour": 11, "minute": 39}
